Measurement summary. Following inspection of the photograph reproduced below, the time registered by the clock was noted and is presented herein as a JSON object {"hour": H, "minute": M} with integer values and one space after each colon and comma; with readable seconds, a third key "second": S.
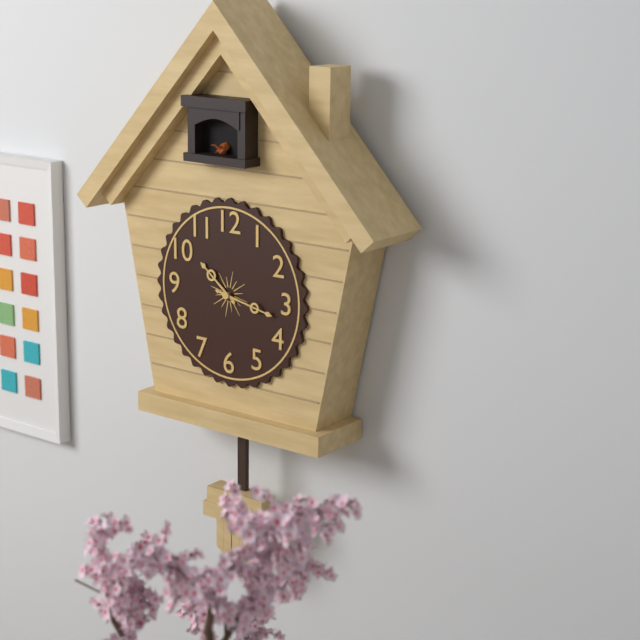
{"hour": 10, "minute": 17}
